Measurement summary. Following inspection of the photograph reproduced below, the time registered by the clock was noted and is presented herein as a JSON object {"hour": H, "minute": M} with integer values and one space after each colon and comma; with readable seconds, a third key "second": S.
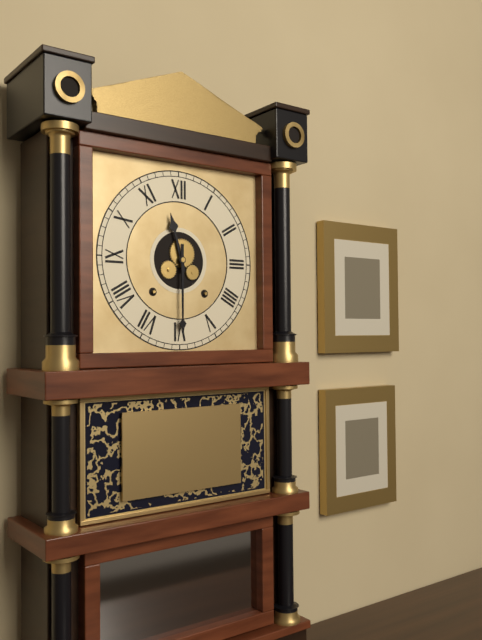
{"hour": 11, "minute": 30}
